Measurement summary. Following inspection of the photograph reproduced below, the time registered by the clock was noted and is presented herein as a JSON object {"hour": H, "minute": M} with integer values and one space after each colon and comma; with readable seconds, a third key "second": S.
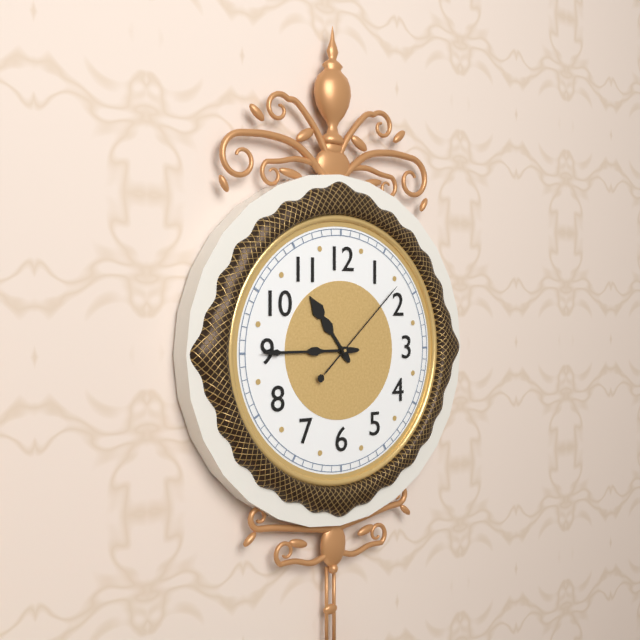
{"hour": 10, "minute": 45, "second": 8}
